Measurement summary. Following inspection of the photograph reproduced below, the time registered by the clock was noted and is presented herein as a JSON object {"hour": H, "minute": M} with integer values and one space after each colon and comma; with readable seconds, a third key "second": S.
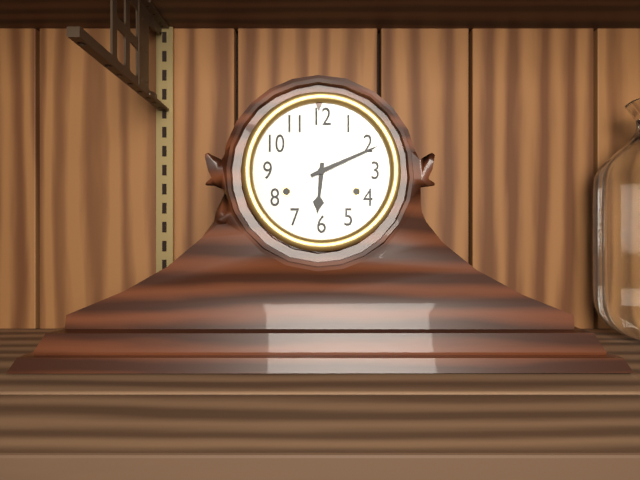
{"hour": 6, "minute": 11}
